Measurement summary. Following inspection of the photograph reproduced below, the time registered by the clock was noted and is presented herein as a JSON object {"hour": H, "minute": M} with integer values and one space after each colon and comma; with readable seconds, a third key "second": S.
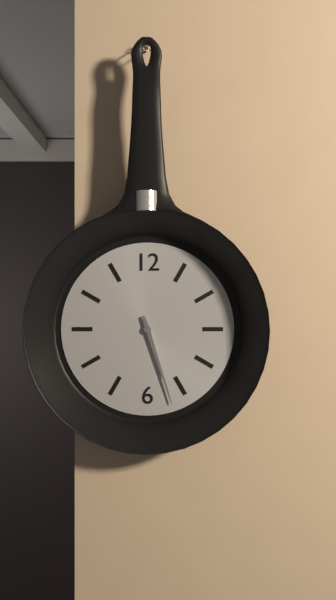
{"hour": 5, "minute": 27}
